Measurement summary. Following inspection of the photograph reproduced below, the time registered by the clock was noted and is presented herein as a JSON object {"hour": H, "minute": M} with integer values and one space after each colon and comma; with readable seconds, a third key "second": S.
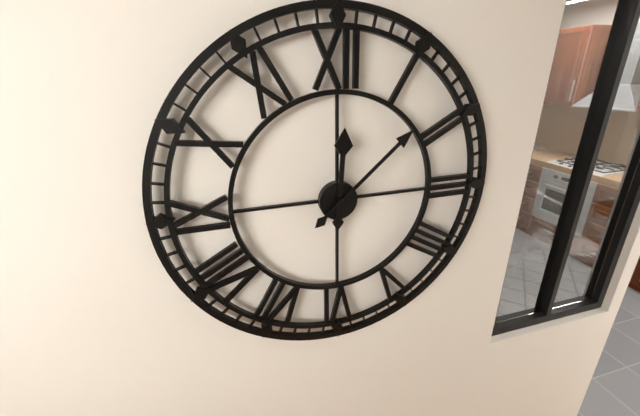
{"hour": 12, "minute": 8}
